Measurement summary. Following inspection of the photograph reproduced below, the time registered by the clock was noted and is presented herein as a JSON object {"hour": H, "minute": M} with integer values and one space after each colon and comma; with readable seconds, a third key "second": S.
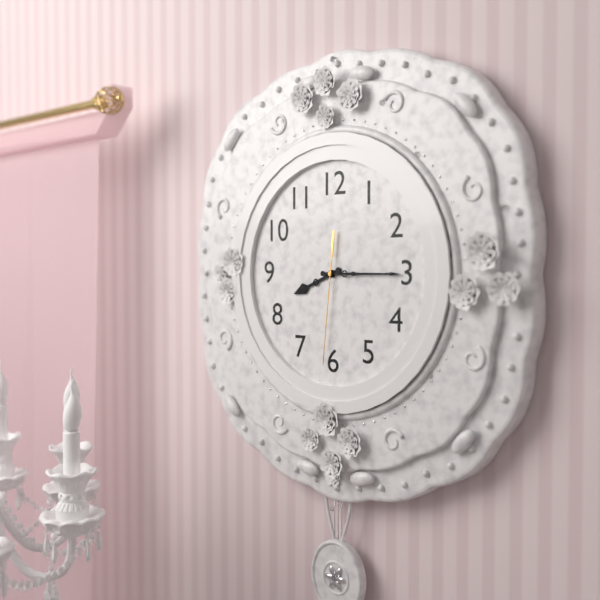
{"hour": 8, "minute": 15, "second": 31}
